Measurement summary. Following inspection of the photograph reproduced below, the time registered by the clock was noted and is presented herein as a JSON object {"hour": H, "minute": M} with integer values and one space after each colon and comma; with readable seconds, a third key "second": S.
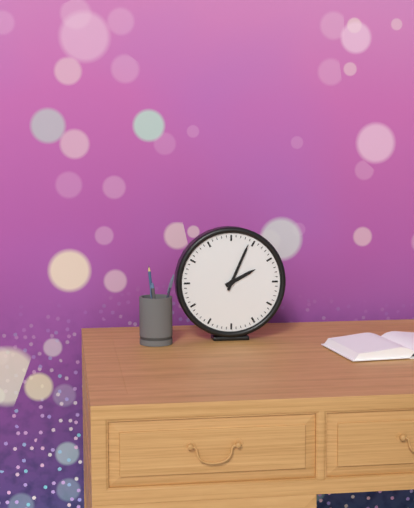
{"hour": 2, "minute": 4}
